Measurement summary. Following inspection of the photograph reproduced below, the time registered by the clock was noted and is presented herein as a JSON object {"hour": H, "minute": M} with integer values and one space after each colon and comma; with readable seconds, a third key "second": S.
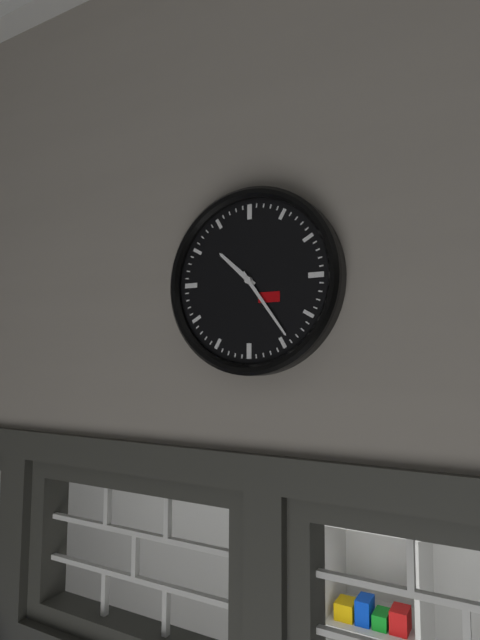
{"hour": 10, "minute": 24}
